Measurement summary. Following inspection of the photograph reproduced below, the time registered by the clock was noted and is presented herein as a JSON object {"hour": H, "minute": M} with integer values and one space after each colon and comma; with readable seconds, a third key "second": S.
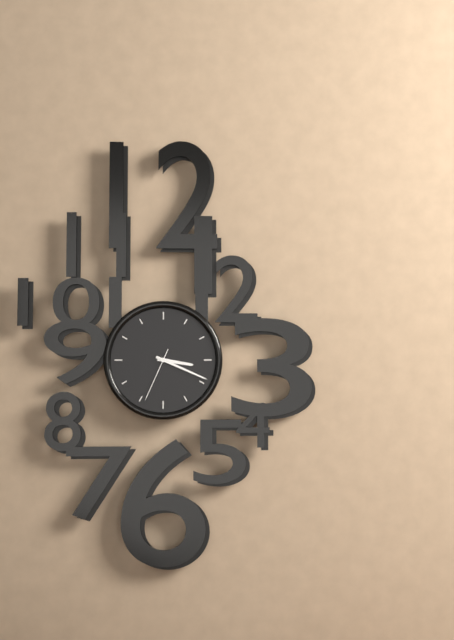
{"hour": 3, "minute": 19, "second": 34}
